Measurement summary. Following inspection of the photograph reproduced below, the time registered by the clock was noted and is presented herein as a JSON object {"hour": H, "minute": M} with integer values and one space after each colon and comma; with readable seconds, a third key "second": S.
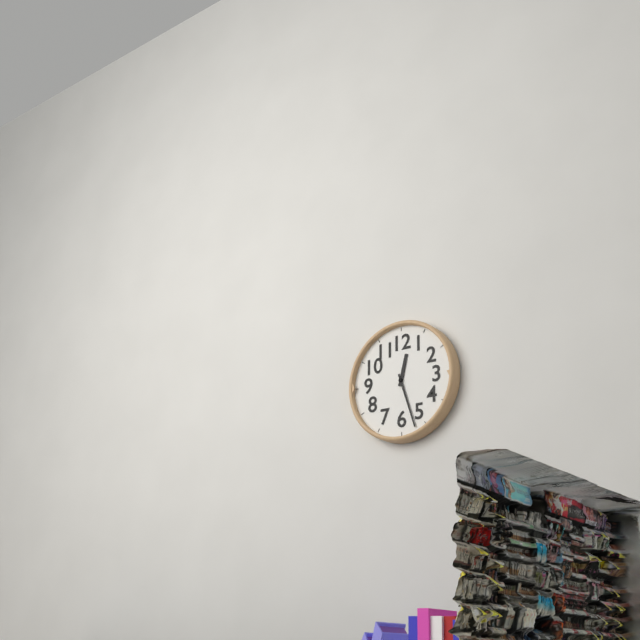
{"hour": 12, "minute": 27}
